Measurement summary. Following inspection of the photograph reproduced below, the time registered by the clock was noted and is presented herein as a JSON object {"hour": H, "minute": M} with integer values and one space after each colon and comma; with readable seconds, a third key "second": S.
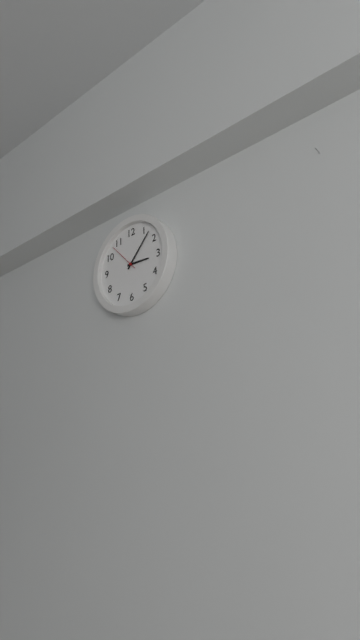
{"hour": 3, "minute": 7}
